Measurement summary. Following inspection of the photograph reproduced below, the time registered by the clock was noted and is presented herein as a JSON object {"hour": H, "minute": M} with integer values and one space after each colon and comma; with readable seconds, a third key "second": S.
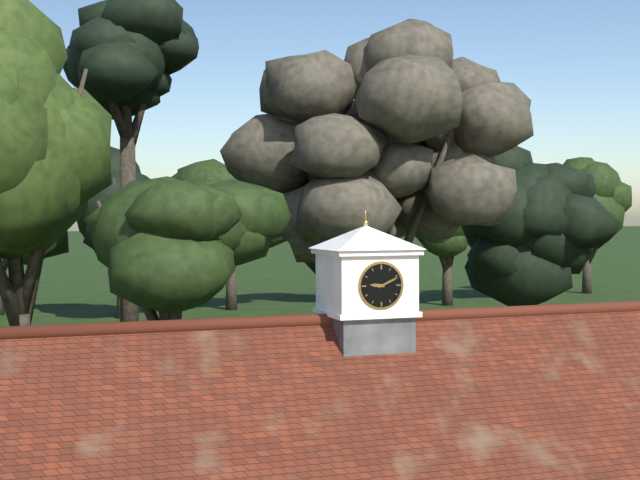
{"hour": 9, "minute": 11}
